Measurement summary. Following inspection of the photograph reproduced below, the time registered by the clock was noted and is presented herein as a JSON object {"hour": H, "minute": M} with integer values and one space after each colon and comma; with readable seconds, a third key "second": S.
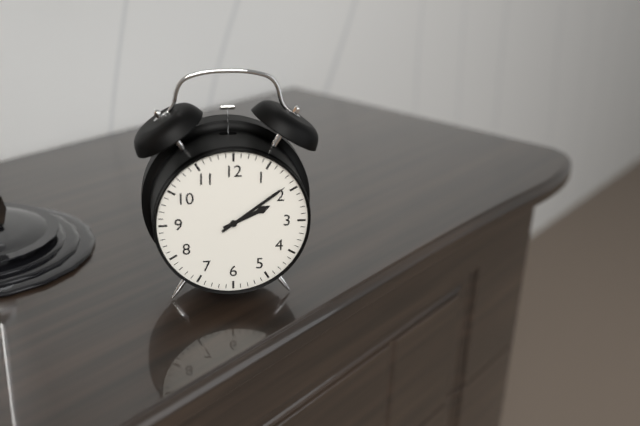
{"hour": 2, "minute": 9}
